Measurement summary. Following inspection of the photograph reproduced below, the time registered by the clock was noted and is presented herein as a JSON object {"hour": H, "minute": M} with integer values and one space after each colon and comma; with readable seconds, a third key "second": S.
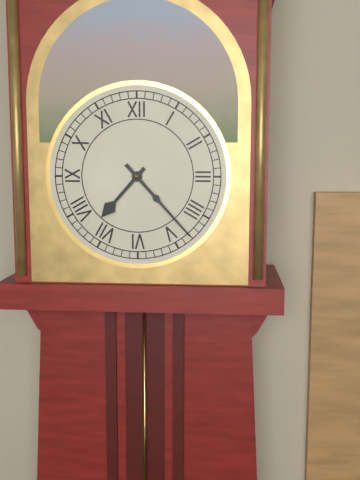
{"hour": 7, "minute": 23}
